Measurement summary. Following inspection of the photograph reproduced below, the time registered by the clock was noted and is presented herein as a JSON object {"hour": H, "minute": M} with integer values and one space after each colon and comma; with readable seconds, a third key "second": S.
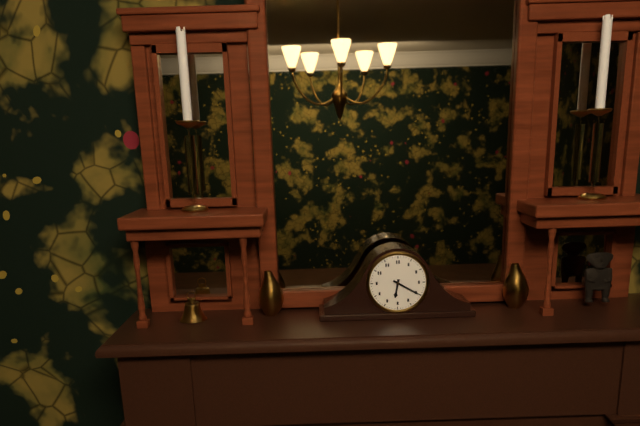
{"hour": 6, "minute": 20}
